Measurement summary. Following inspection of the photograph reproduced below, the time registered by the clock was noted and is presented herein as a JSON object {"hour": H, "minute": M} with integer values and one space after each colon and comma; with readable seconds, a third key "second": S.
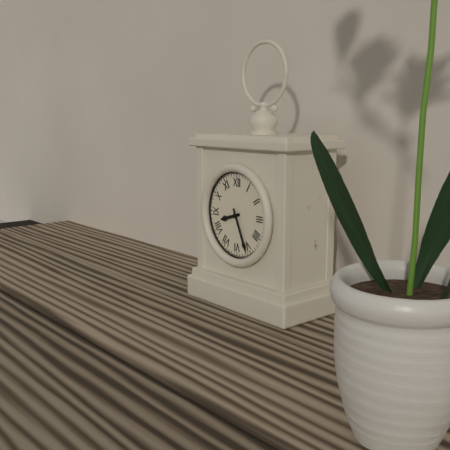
{"hour": 8, "minute": 26}
